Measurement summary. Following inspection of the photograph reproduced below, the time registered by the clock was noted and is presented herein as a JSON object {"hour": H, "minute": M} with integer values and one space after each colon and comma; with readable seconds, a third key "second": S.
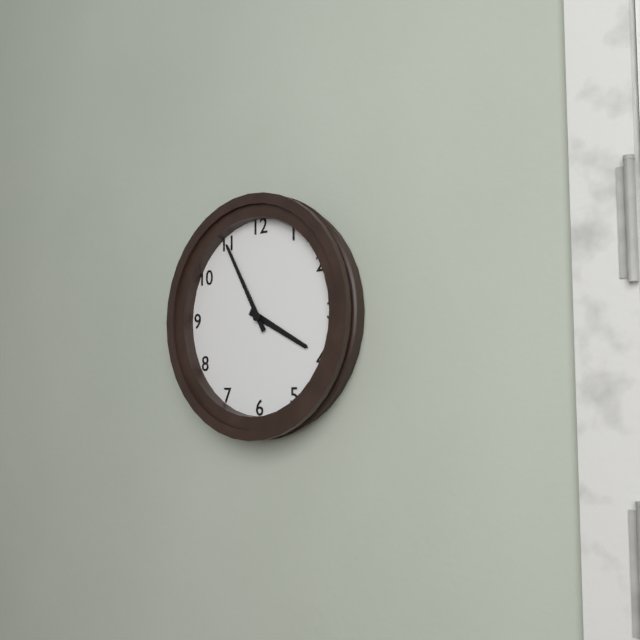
{"hour": 3, "minute": 55}
